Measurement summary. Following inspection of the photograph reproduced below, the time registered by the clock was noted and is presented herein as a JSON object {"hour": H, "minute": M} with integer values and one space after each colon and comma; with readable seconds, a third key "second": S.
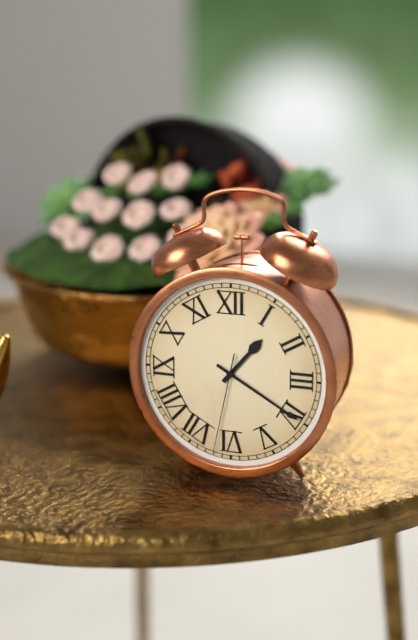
{"hour": 1, "minute": 20, "second": 32}
